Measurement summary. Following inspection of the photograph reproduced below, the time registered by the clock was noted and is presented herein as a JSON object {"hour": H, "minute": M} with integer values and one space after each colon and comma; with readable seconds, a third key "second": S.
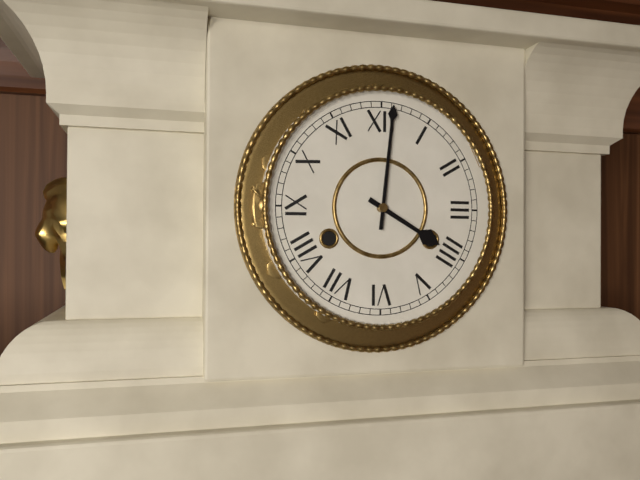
{"hour": 4, "minute": 1}
